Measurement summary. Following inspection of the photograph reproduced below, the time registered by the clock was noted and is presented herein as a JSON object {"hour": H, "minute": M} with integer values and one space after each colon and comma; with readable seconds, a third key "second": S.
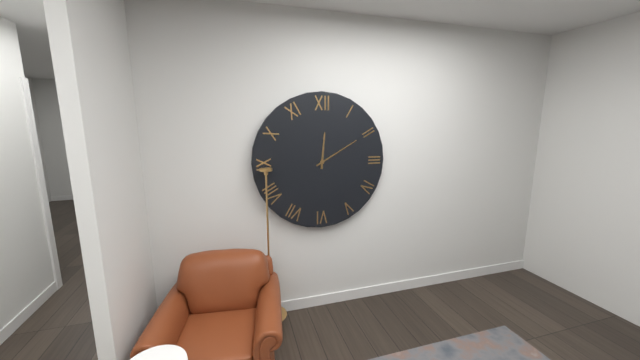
{"hour": 12, "minute": 10}
